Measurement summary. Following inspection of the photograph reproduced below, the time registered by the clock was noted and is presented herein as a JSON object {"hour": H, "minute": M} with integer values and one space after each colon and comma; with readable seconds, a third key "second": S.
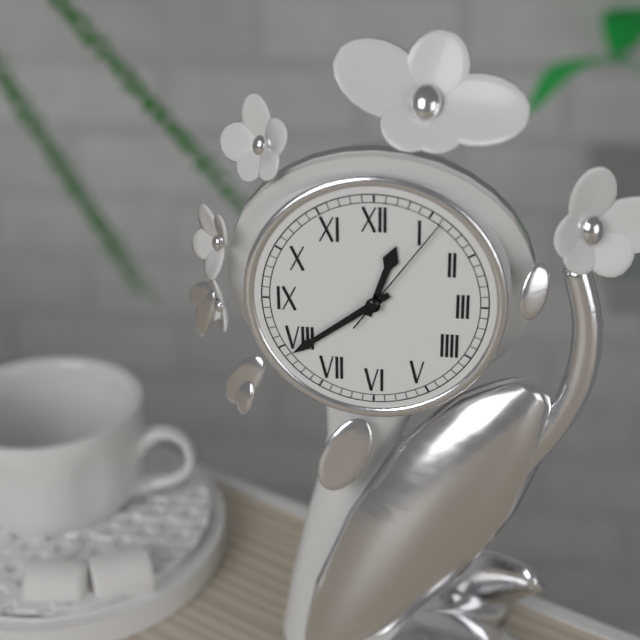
{"hour": 12, "minute": 39, "second": 6}
